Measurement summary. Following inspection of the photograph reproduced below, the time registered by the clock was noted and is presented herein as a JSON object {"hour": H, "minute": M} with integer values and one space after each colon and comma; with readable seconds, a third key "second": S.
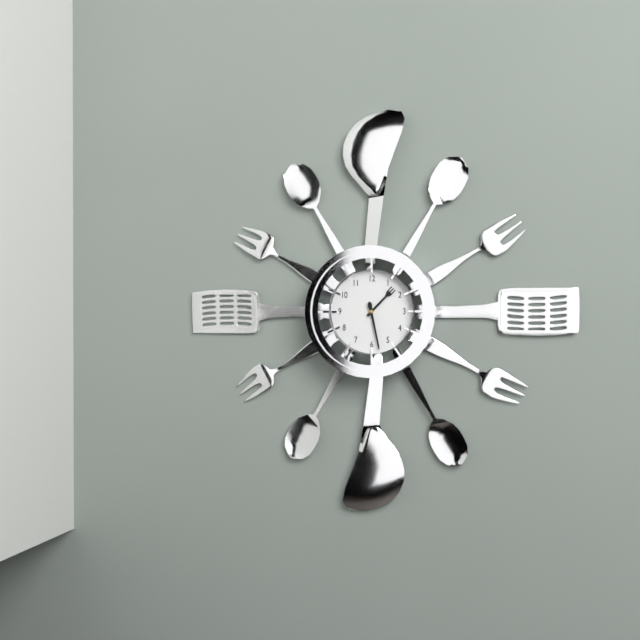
{"hour": 1, "minute": 28}
